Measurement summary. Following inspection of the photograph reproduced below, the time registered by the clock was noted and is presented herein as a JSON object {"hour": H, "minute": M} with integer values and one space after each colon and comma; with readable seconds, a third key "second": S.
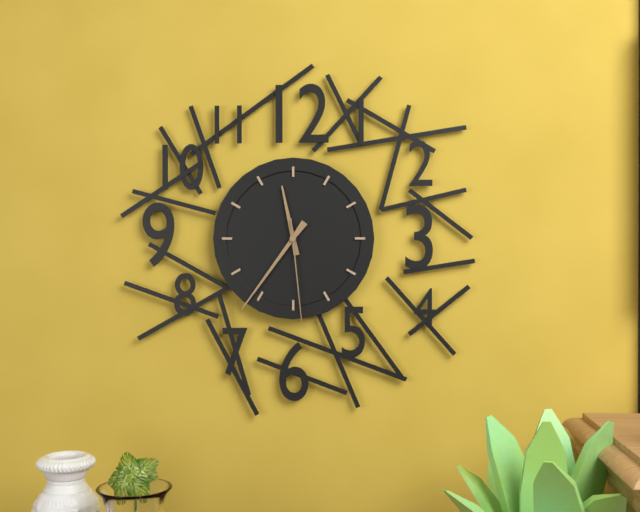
{"hour": 11, "minute": 36, "second": 29}
